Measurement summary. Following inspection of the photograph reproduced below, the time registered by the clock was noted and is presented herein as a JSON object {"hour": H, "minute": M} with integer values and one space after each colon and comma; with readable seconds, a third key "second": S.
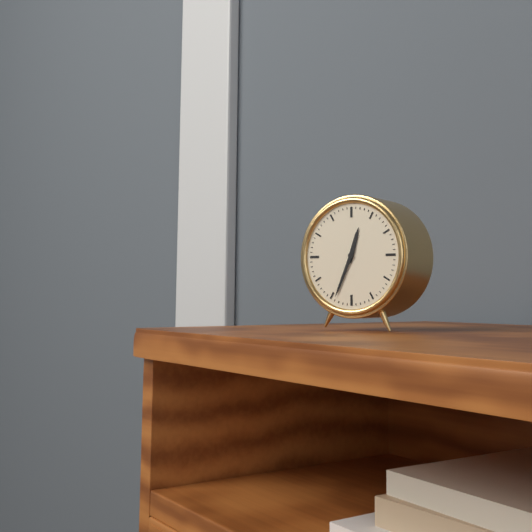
{"hour": 12, "minute": 34}
